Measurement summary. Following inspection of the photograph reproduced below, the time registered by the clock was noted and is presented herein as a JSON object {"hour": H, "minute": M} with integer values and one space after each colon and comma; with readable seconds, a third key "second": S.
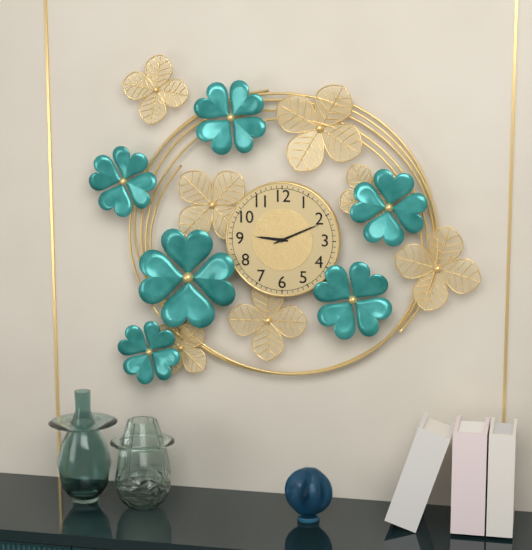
{"hour": 9, "minute": 11}
